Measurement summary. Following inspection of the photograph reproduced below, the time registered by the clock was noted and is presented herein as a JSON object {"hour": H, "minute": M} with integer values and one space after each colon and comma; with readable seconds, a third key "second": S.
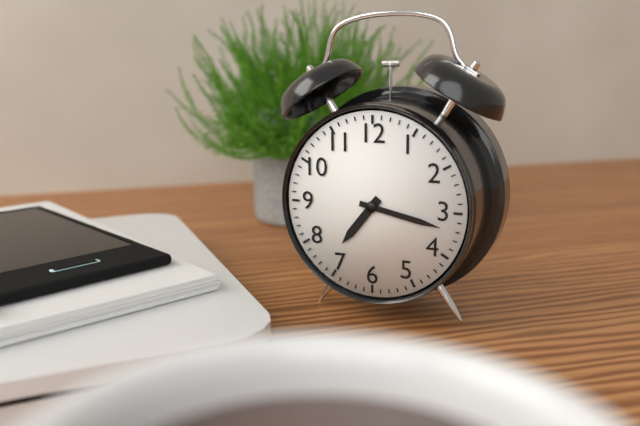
{"hour": 7, "minute": 17}
